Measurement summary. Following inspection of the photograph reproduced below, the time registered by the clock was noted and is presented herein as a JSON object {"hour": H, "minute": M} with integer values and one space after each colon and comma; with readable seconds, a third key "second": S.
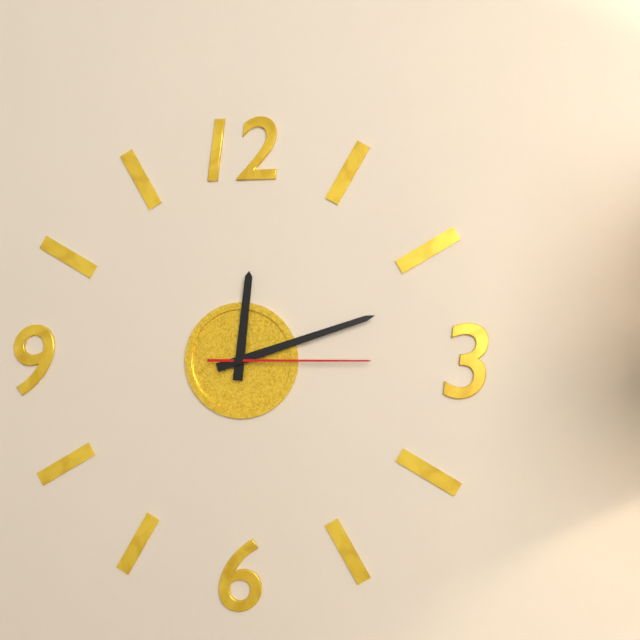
{"hour": 12, "minute": 12, "second": 15}
